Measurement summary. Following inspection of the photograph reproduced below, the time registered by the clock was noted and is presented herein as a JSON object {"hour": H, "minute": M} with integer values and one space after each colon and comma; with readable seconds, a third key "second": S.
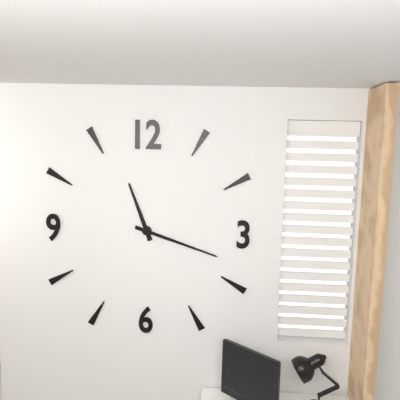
{"hour": 11, "minute": 18}
